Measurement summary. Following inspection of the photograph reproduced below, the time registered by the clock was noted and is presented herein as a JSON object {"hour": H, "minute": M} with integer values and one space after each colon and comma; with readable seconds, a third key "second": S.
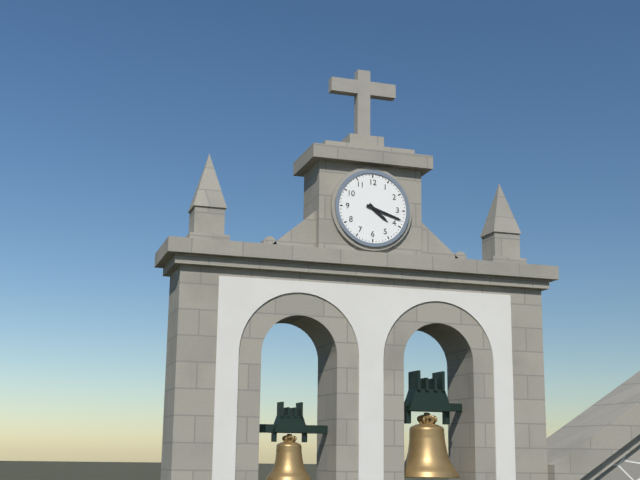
{"hour": 4, "minute": 18}
